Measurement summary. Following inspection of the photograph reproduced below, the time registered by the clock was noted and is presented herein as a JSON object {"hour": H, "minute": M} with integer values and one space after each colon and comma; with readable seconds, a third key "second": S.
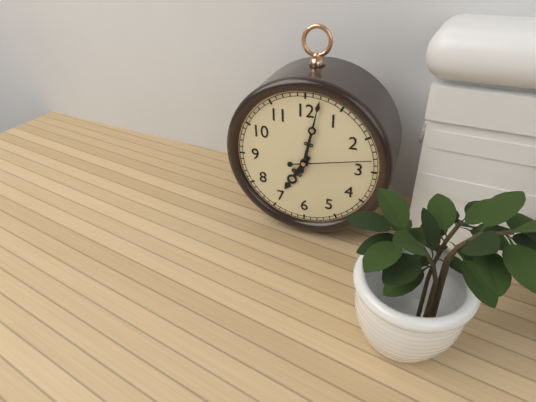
{"hour": 7, "minute": 2, "second": 13}
